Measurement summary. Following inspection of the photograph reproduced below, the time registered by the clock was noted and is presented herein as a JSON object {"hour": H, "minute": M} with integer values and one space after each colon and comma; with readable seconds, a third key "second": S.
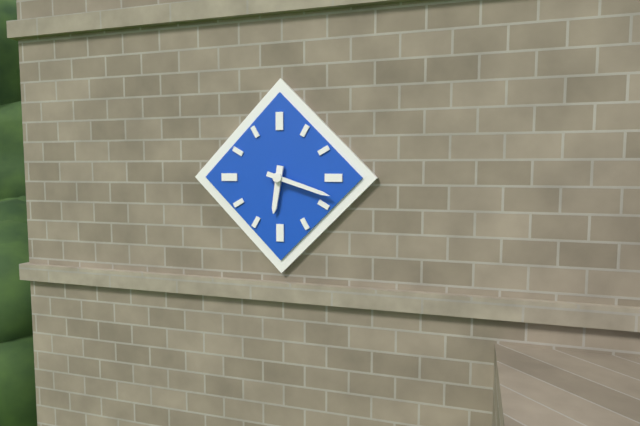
{"hour": 6, "minute": 18}
